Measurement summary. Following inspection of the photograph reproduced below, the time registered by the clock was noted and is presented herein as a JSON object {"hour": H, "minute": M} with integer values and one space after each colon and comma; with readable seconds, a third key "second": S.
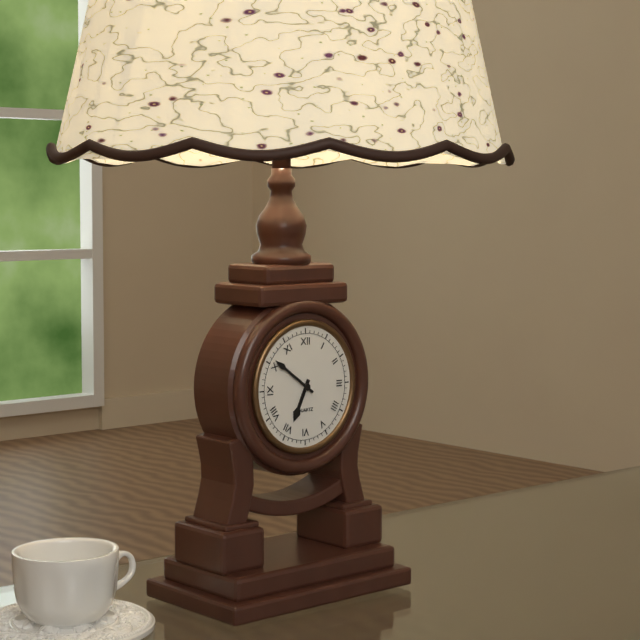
{"hour": 6, "minute": 51}
